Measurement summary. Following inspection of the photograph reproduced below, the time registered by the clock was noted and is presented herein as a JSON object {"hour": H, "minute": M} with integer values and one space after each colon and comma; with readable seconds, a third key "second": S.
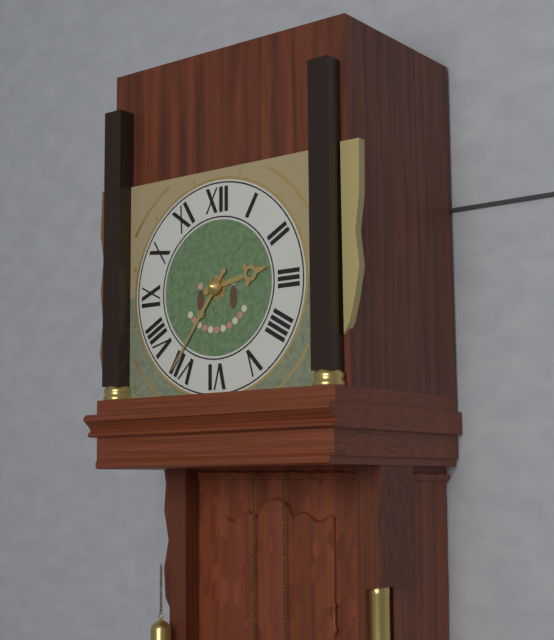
{"hour": 2, "minute": 36}
